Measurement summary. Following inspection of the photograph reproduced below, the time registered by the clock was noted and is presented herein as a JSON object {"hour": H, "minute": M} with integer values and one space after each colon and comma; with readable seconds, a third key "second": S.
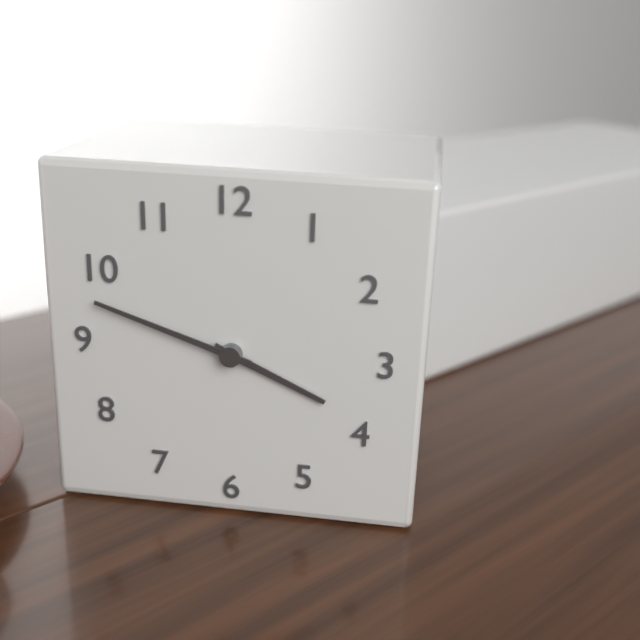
{"hour": 3, "minute": 48}
